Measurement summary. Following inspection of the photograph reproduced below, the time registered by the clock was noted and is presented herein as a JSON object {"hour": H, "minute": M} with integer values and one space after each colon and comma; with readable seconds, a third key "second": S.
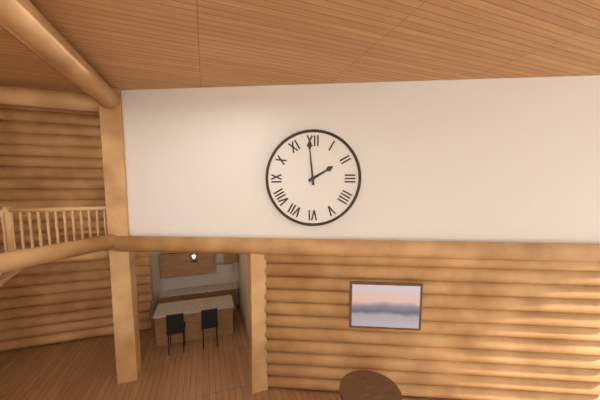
{"hour": 1, "minute": 59}
